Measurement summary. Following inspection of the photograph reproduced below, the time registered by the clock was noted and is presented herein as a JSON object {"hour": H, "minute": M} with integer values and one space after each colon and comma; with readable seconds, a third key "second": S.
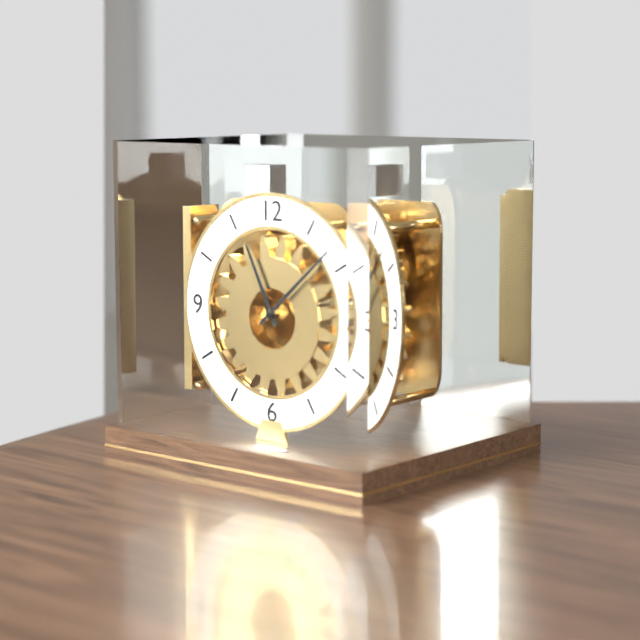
{"hour": 11, "minute": 8}
